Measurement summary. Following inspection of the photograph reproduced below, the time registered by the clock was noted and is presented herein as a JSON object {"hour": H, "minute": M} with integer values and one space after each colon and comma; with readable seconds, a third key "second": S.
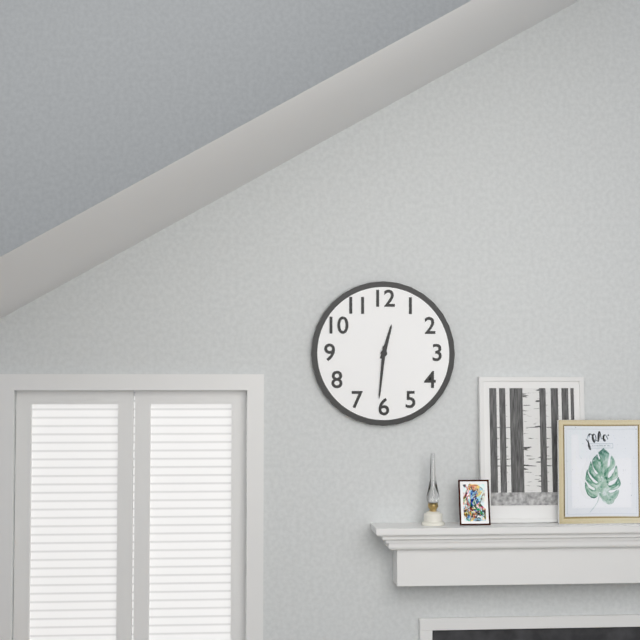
{"hour": 12, "minute": 31}
